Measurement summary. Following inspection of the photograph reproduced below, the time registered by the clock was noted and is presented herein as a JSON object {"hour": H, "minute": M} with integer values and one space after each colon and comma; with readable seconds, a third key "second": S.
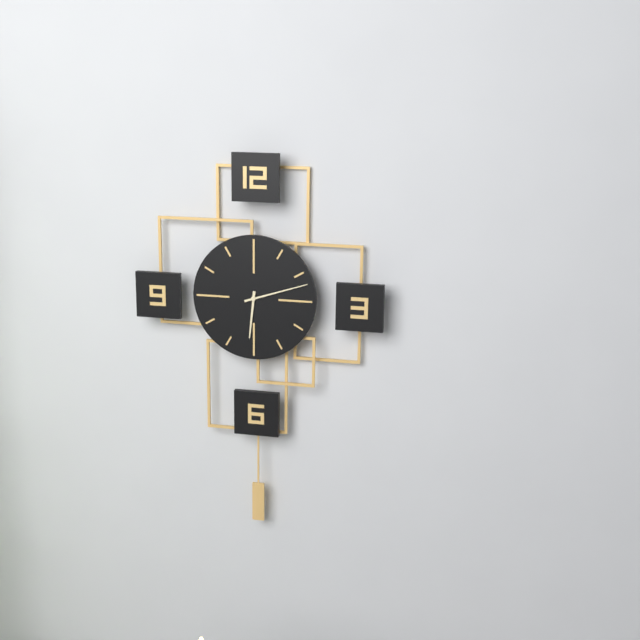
{"hour": 6, "minute": 12}
